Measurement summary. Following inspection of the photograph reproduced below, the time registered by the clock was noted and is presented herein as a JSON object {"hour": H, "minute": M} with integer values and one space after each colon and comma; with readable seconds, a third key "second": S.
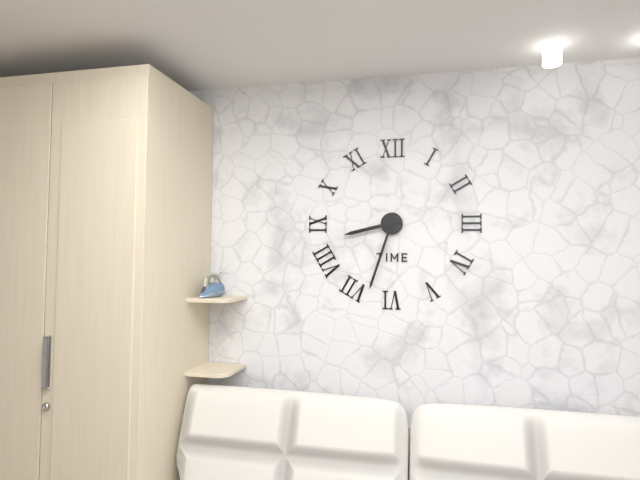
{"hour": 8, "minute": 33}
